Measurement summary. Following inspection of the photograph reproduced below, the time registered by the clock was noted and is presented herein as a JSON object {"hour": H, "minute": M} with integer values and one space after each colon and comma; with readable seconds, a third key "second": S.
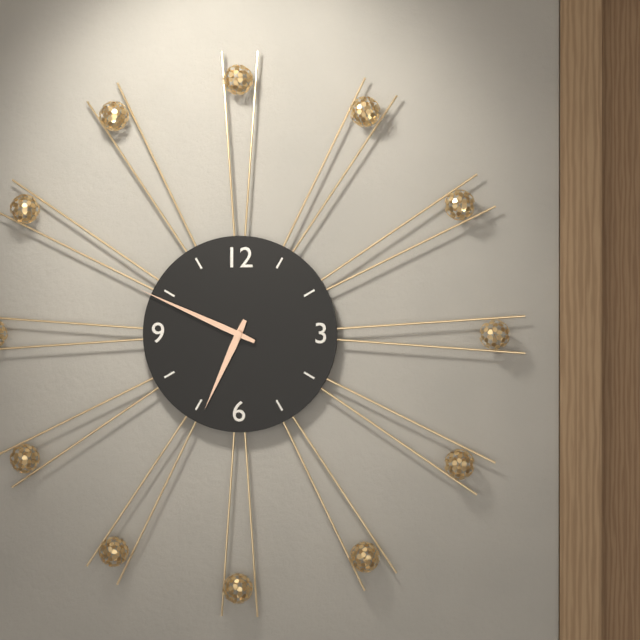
{"hour": 6, "minute": 49}
